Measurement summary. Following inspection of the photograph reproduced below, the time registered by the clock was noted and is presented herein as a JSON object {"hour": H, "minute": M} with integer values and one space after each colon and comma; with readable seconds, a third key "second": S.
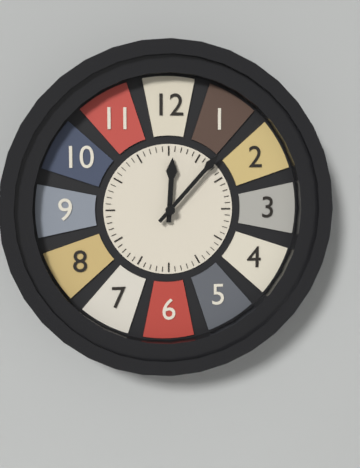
{"hour": 12, "minute": 7}
